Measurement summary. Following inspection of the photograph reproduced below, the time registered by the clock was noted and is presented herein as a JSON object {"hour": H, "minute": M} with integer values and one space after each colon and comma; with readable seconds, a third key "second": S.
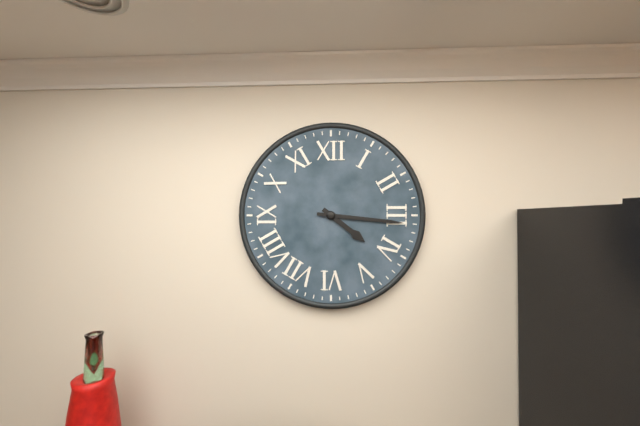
{"hour": 4, "minute": 16}
